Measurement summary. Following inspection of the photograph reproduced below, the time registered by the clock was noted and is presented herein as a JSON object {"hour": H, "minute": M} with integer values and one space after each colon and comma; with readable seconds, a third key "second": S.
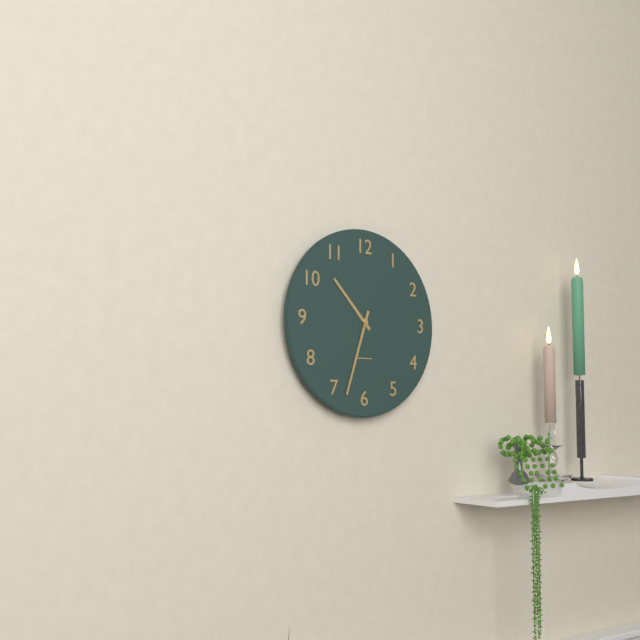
{"hour": 10, "minute": 33}
